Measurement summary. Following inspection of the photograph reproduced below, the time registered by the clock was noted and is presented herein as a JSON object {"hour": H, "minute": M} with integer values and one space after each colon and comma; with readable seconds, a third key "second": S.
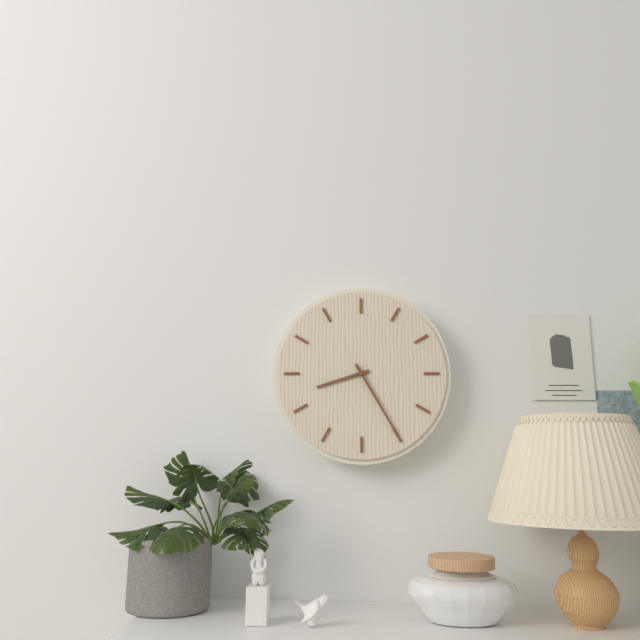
{"hour": 8, "minute": 25}
